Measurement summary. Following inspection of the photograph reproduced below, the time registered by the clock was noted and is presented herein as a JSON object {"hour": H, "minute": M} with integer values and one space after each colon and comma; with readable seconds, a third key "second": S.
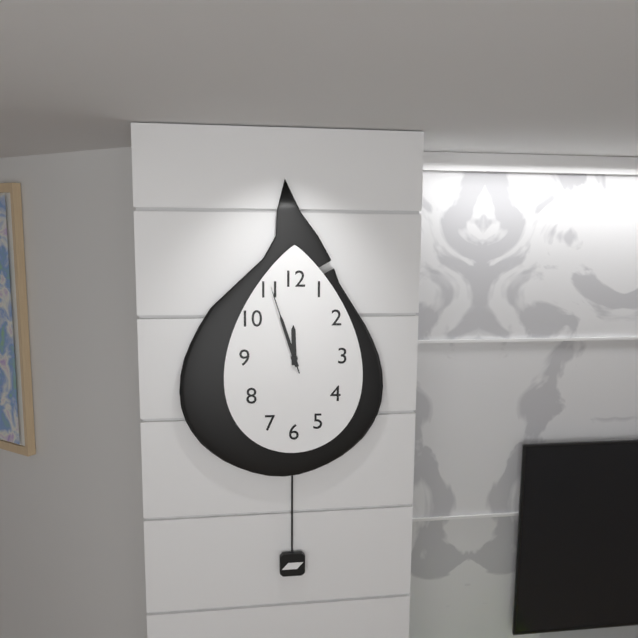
{"hour": 11, "minute": 57, "second": 57}
